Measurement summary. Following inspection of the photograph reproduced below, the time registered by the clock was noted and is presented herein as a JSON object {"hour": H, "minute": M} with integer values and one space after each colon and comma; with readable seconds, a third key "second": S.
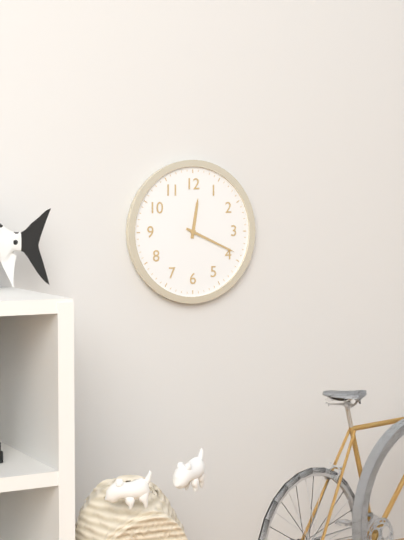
{"hour": 12, "minute": 19}
